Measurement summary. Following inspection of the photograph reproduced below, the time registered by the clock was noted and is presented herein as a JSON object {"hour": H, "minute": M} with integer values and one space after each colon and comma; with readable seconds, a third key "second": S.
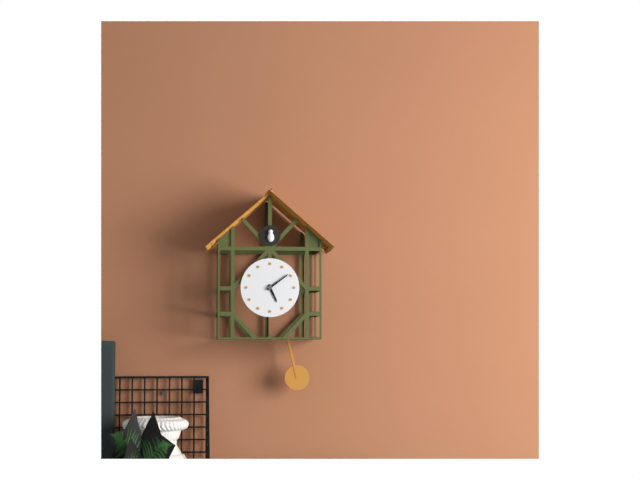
{"hour": 5, "minute": 9}
